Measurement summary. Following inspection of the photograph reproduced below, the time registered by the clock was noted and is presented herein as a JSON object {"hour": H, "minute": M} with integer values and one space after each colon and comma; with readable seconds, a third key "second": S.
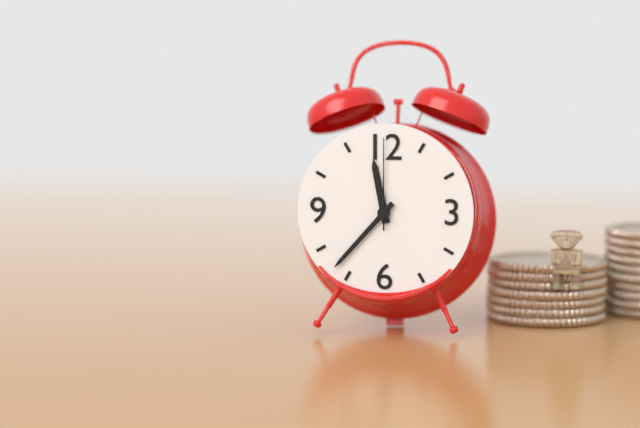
{"hour": 11, "minute": 37, "second": 0}
